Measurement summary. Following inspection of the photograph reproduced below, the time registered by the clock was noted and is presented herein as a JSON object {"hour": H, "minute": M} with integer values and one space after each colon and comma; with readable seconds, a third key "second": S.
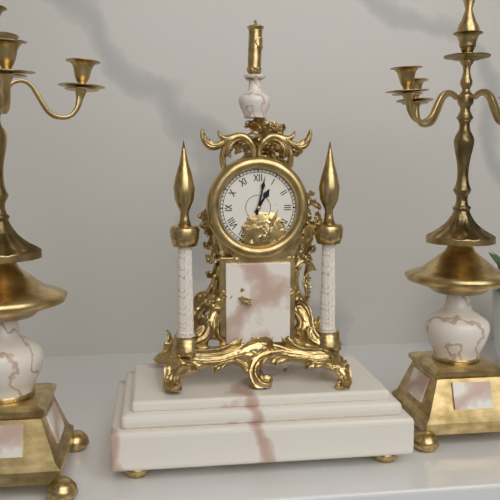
{"hour": 1, "minute": 2}
